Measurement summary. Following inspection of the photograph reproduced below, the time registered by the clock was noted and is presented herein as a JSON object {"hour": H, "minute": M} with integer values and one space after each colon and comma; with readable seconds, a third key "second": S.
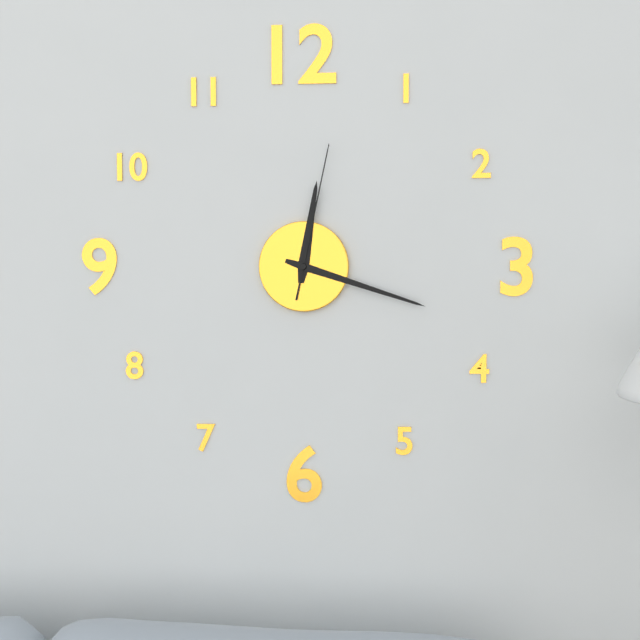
{"hour": 12, "minute": 18, "second": 2}
